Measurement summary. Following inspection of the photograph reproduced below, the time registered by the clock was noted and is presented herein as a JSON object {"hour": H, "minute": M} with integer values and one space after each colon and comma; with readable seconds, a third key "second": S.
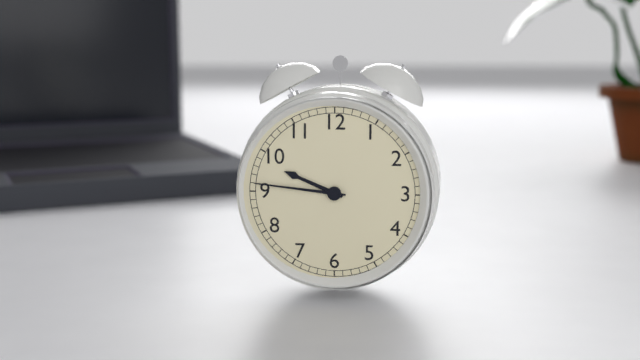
{"hour": 9, "minute": 46}
